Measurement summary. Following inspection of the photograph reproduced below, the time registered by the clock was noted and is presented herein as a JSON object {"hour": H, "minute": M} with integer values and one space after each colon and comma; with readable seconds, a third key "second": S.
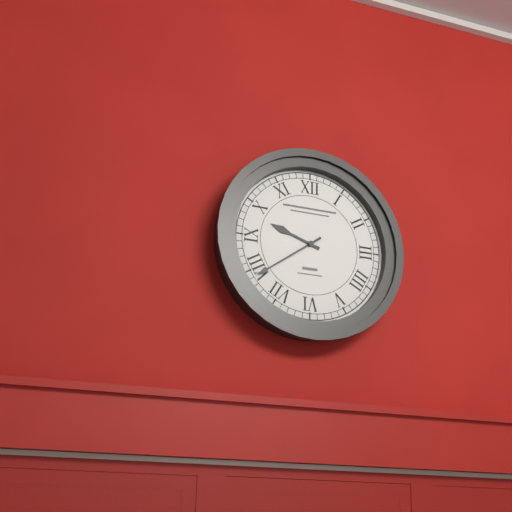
{"hour": 9, "minute": 39}
